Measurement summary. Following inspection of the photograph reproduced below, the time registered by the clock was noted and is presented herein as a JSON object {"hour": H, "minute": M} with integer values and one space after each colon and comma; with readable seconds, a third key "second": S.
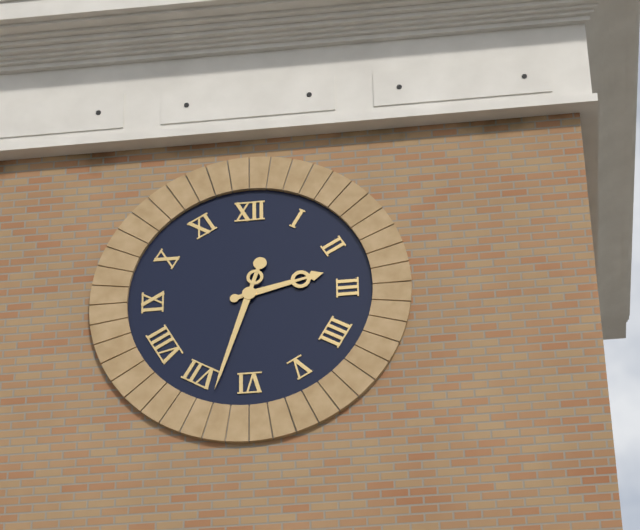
{"hour": 2, "minute": 33}
